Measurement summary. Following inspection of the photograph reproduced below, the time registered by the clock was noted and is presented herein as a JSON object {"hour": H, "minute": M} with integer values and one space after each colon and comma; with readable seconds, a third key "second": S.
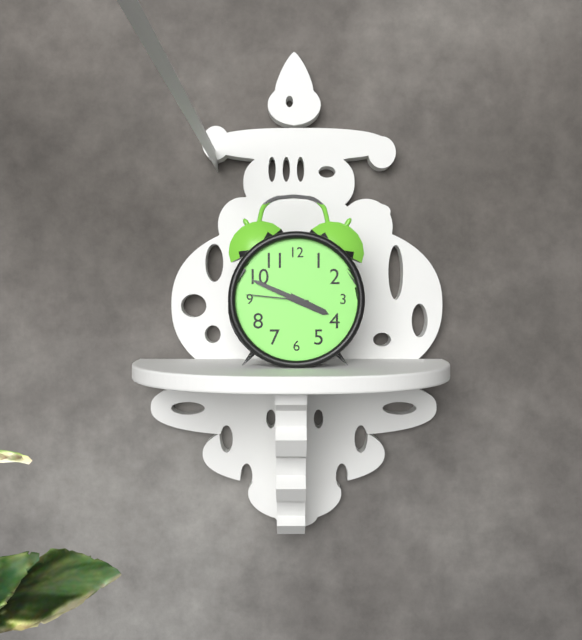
{"hour": 3, "minute": 49, "second": 46}
